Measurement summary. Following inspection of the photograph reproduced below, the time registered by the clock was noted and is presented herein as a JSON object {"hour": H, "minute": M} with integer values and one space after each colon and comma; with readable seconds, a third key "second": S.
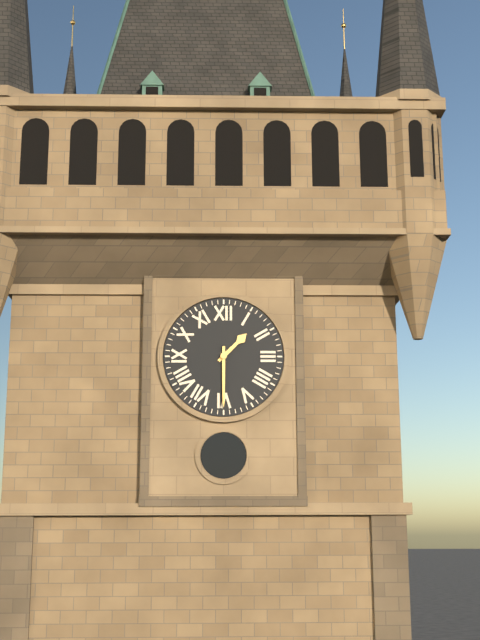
{"hour": 1, "minute": 30}
